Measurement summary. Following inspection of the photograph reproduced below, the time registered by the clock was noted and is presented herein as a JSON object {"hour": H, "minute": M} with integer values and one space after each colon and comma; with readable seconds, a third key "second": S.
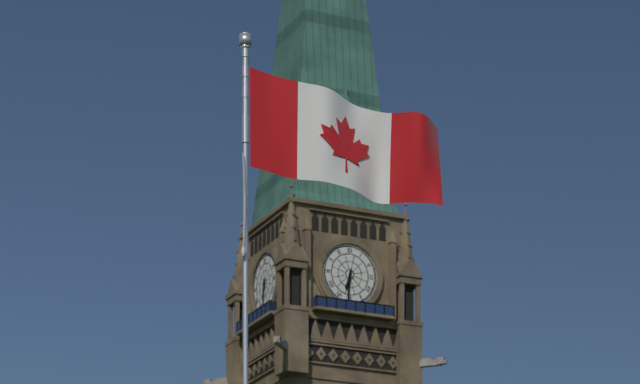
{"hour": 6, "minute": 31}
